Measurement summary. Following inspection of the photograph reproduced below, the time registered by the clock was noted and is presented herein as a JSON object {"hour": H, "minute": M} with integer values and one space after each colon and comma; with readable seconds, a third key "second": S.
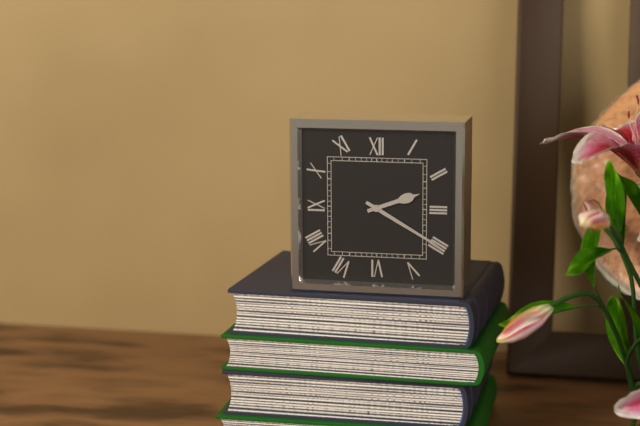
{"hour": 2, "minute": 20}
